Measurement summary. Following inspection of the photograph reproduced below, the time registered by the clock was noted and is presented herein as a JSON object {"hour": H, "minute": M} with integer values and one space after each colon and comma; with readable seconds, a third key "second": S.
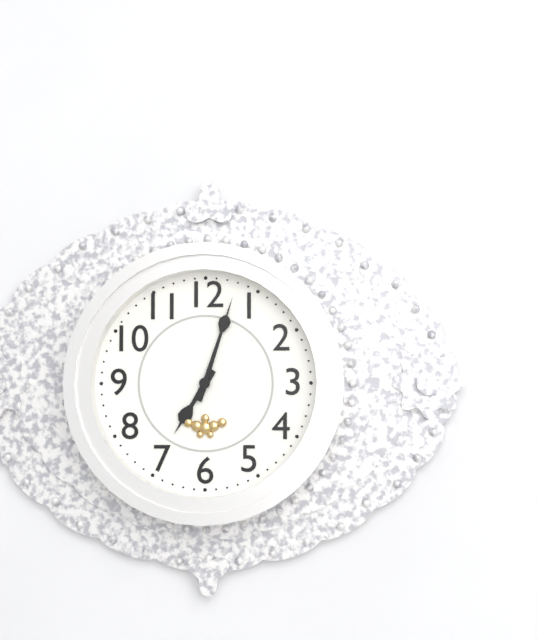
{"hour": 7, "minute": 3}
